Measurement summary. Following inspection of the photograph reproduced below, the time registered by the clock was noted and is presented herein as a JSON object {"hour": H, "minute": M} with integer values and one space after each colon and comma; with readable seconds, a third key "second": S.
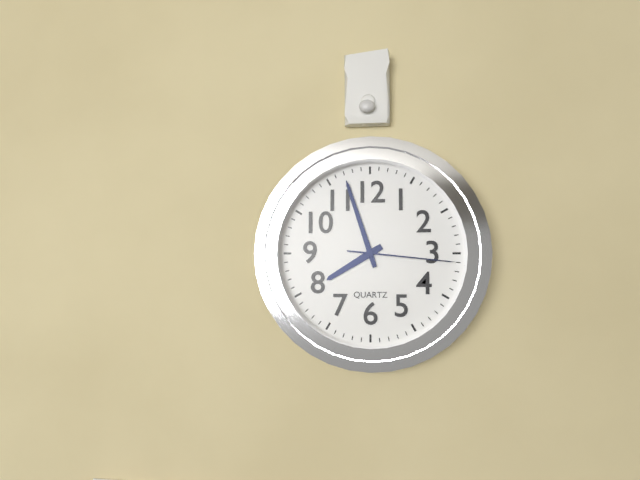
{"hour": 7, "minute": 57, "second": 16}
